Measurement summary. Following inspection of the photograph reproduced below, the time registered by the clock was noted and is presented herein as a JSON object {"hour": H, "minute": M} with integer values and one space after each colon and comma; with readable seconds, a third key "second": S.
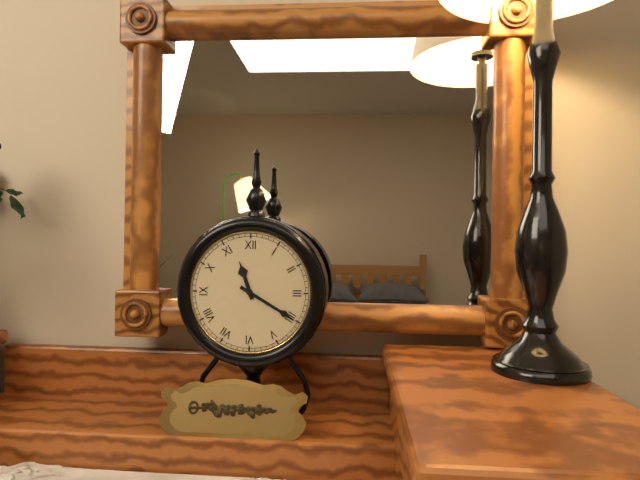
{"hour": 11, "minute": 20}
